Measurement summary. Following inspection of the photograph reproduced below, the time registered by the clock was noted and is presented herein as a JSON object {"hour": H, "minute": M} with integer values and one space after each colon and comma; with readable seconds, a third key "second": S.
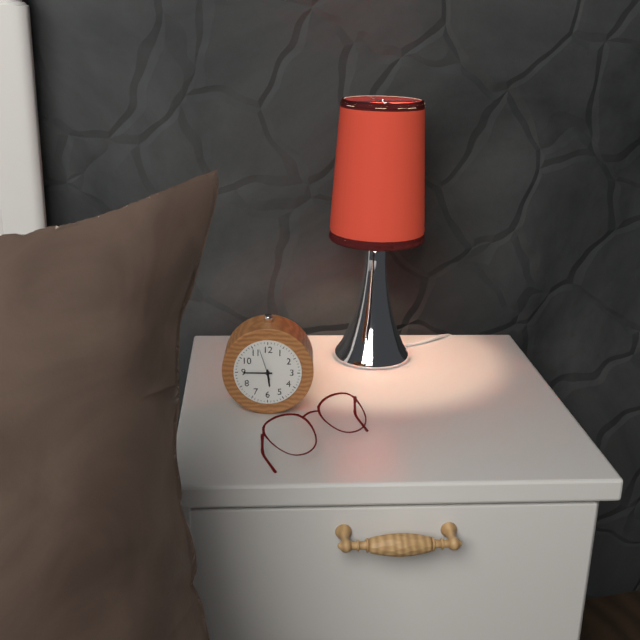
{"hour": 5, "minute": 45}
